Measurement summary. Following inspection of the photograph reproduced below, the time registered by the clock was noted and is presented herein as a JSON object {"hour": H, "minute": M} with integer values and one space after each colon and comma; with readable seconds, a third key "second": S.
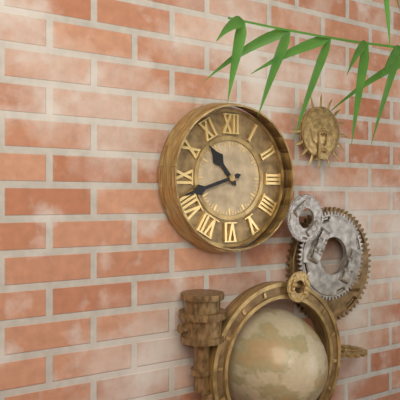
{"hour": 10, "minute": 42}
